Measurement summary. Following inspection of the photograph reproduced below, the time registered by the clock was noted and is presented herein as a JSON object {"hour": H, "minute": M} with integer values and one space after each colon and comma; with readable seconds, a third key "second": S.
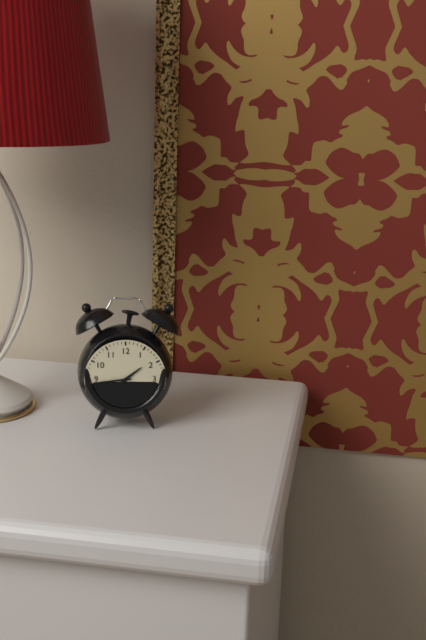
{"hour": 1, "minute": 44}
